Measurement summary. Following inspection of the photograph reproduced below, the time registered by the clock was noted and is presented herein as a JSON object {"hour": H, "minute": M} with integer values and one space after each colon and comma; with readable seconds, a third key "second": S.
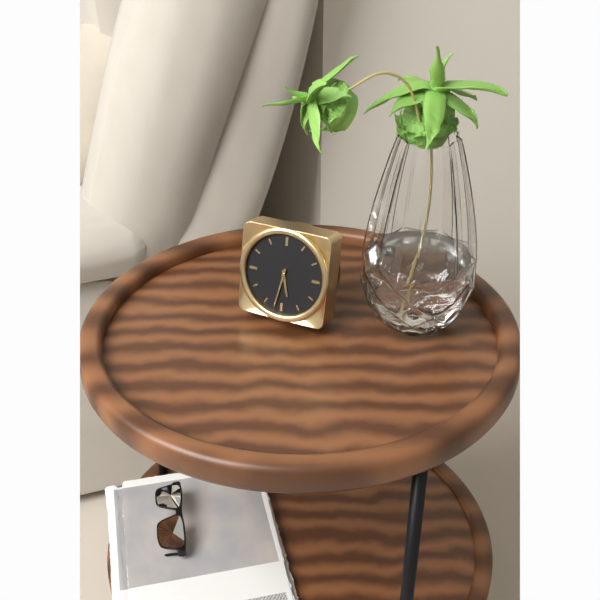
{"hour": 5, "minute": 32}
